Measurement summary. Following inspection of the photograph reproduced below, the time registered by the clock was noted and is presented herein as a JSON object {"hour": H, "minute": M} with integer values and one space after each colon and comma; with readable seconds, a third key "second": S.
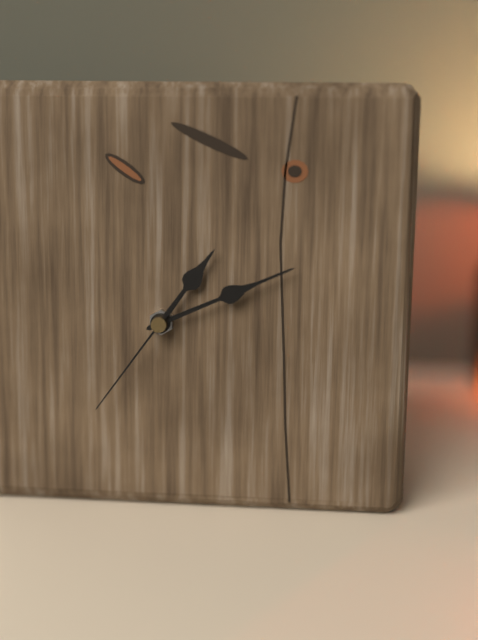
{"hour": 1, "minute": 11, "second": 36}
